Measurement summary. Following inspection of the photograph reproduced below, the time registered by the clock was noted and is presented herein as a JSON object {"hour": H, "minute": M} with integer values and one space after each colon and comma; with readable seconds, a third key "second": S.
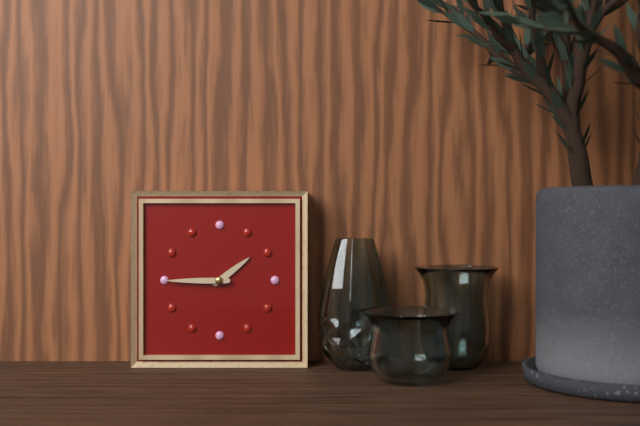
{"hour": 1, "minute": 45}
